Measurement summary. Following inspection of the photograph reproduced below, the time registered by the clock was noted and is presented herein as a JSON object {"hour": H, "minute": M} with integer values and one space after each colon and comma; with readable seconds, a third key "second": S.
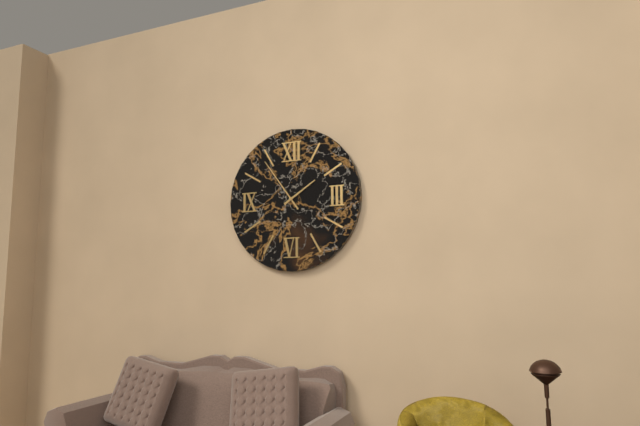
{"hour": 1, "minute": 54}
